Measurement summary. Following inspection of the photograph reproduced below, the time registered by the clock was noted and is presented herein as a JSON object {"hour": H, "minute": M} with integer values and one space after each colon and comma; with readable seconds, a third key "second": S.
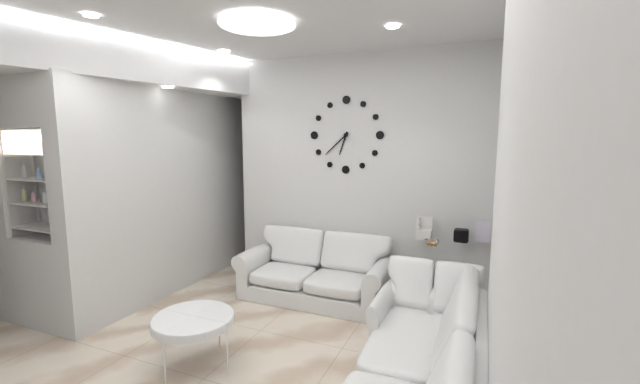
{"hour": 6, "minute": 38}
